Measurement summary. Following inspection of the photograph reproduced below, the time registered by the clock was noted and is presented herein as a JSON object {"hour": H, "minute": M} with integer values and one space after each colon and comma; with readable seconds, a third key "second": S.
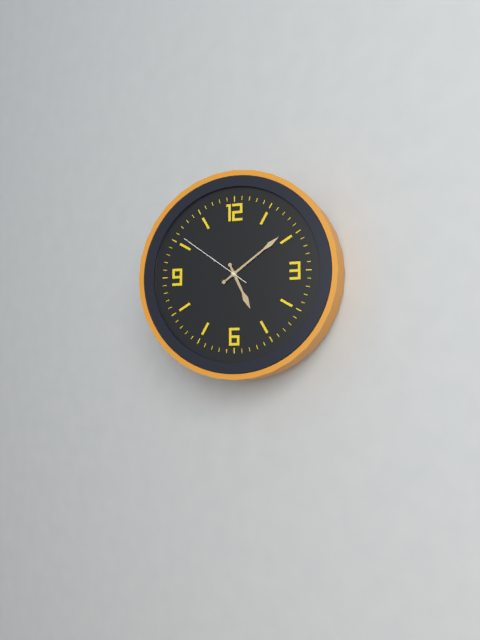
{"hour": 5, "minute": 9, "second": 51}
